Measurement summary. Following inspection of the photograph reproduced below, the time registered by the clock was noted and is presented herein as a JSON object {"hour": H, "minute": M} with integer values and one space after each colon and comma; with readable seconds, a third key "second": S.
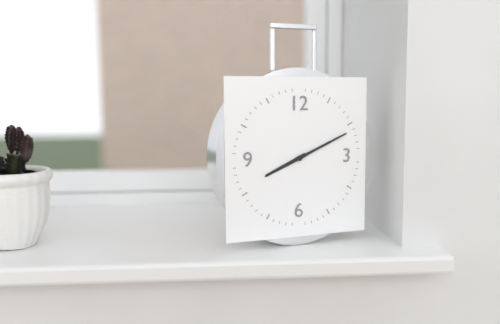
{"hour": 8, "minute": 11}
